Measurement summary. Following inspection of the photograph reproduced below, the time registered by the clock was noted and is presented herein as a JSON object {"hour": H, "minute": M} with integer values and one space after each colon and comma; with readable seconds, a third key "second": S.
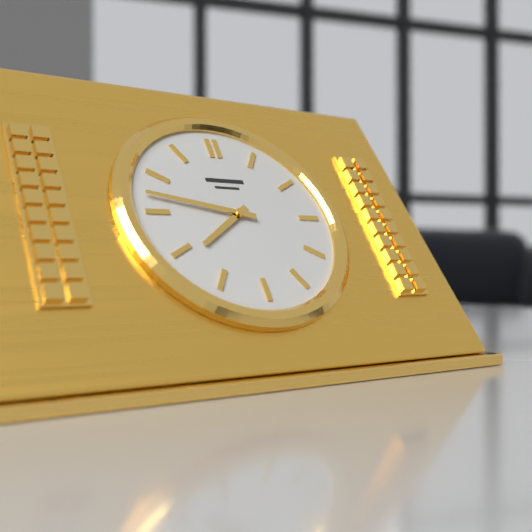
{"hour": 7, "minute": 47}
